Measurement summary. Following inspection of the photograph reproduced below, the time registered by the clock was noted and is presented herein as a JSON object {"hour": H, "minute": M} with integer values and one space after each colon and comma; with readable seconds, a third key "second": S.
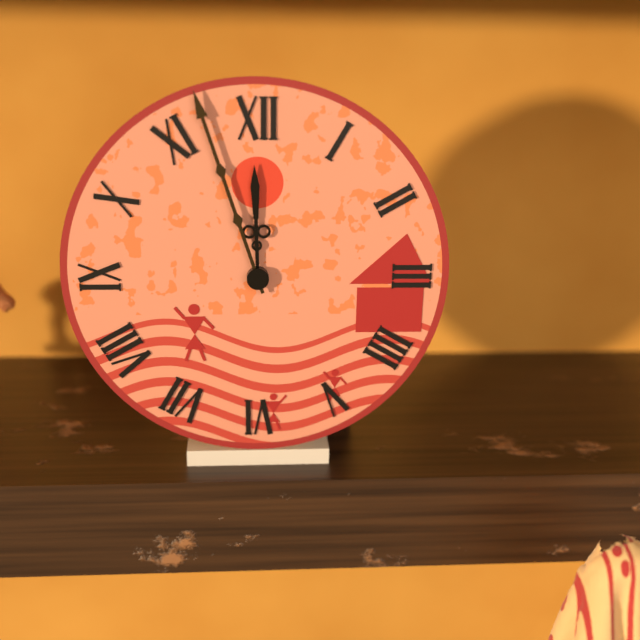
{"hour": 11, "minute": 57}
